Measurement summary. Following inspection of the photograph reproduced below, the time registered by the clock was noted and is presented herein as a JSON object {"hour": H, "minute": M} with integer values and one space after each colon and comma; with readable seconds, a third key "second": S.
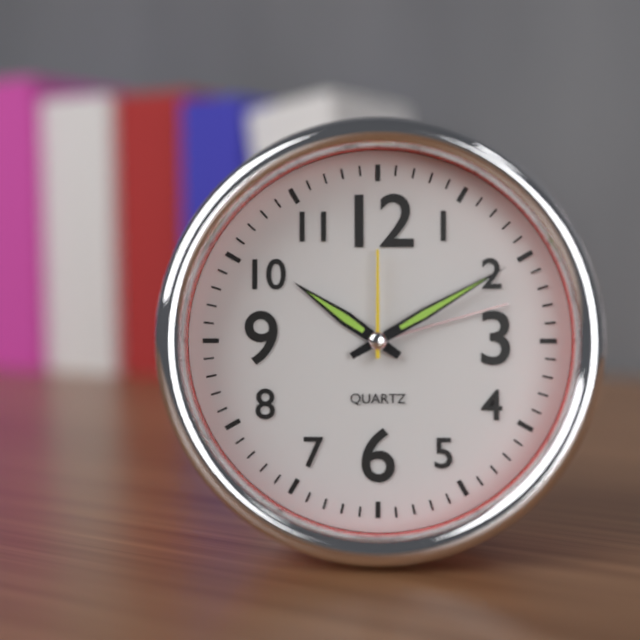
{"hour": 10, "minute": 10, "second": 0}
